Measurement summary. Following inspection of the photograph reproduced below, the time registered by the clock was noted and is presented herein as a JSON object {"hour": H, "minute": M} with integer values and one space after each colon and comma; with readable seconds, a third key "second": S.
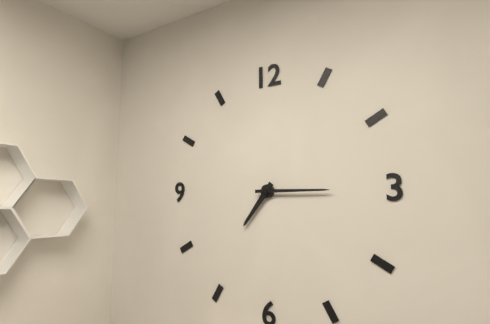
{"hour": 7, "minute": 15}
